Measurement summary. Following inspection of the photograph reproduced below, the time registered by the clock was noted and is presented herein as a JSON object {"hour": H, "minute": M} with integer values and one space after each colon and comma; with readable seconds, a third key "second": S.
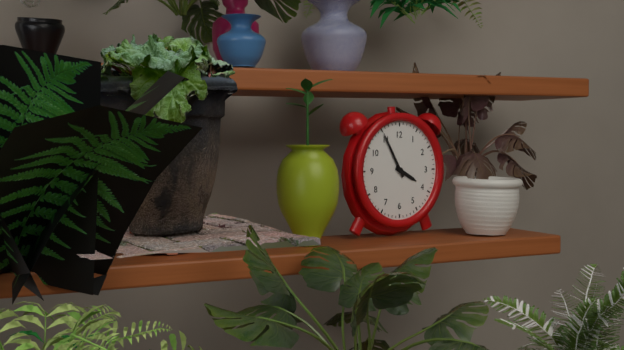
{"hour": 3, "minute": 55}
